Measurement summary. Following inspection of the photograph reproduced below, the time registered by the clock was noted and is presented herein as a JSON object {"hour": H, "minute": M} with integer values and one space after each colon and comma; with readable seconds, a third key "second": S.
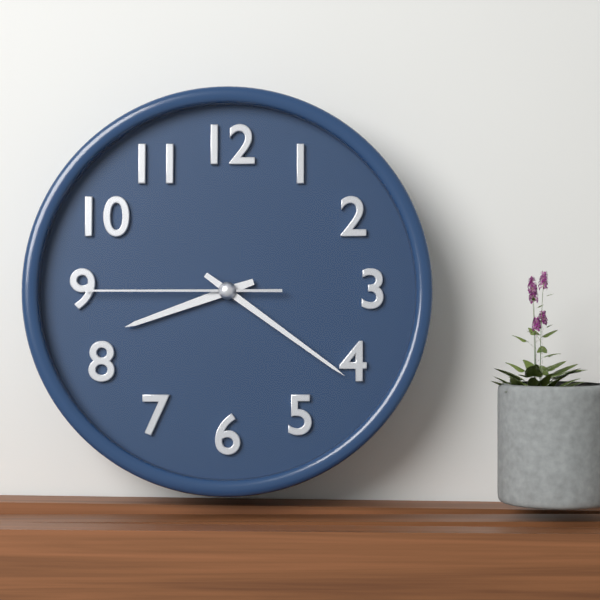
{"hour": 8, "minute": 21, "second": 45}
